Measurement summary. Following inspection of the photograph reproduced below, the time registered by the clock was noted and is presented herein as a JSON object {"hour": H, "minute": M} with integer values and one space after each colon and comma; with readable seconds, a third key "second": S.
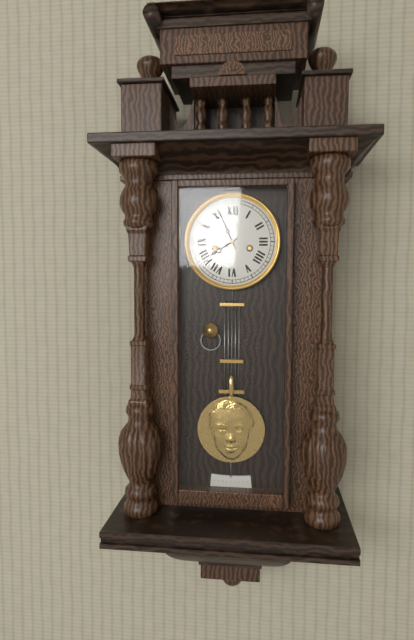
{"hour": 7, "minute": 56}
